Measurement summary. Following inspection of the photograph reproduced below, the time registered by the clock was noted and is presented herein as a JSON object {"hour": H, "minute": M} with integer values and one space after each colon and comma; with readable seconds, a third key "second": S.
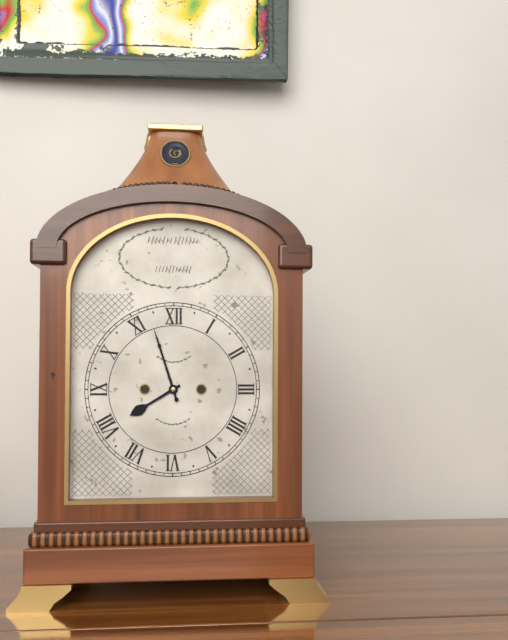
{"hour": 7, "minute": 57}
